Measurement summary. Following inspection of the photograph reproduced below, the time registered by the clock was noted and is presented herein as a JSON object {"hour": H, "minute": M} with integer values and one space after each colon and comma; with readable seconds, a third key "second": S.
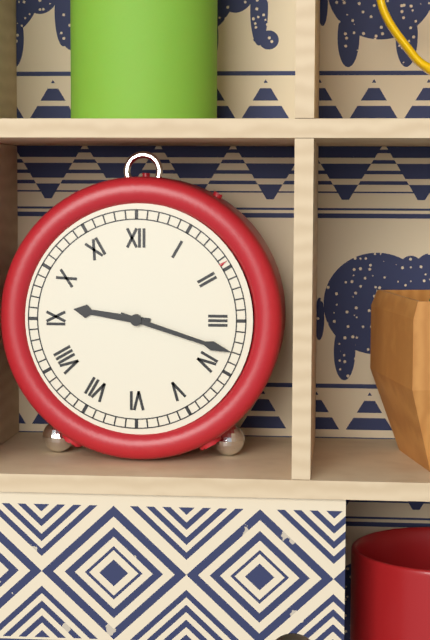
{"hour": 9, "minute": 18}
